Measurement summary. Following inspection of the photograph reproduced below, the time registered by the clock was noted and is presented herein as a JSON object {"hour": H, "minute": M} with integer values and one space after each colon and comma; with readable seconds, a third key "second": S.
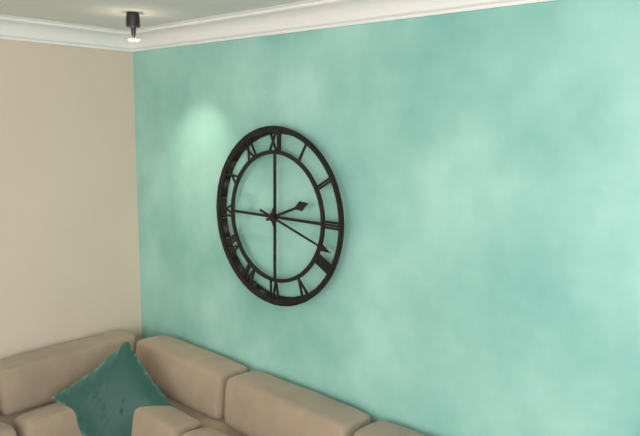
{"hour": 2, "minute": 18}
